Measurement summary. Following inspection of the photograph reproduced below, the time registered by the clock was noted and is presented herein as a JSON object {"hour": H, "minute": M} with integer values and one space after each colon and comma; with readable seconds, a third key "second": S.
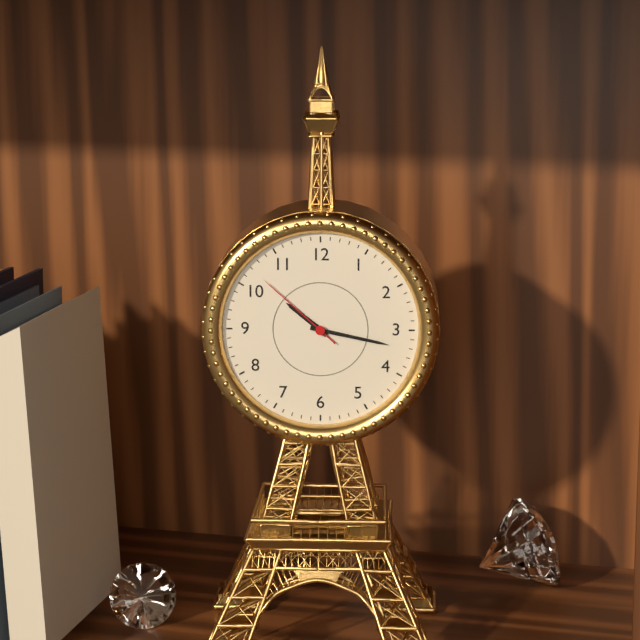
{"hour": 10, "minute": 17, "second": 52}
